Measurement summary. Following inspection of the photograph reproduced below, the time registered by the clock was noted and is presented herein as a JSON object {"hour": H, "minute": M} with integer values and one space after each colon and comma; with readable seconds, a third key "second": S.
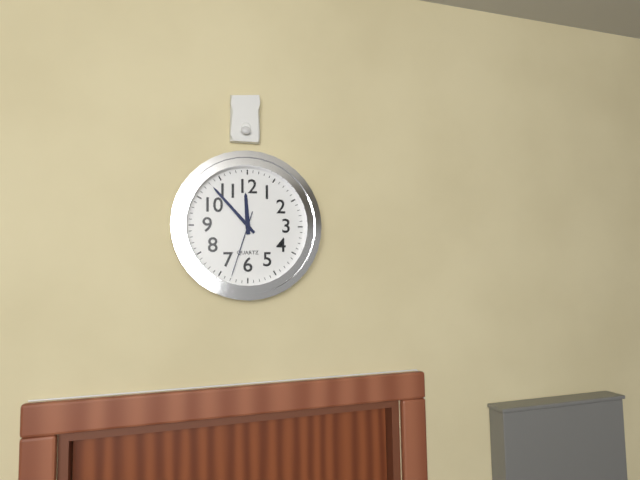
{"hour": 11, "minute": 53, "second": 33}
